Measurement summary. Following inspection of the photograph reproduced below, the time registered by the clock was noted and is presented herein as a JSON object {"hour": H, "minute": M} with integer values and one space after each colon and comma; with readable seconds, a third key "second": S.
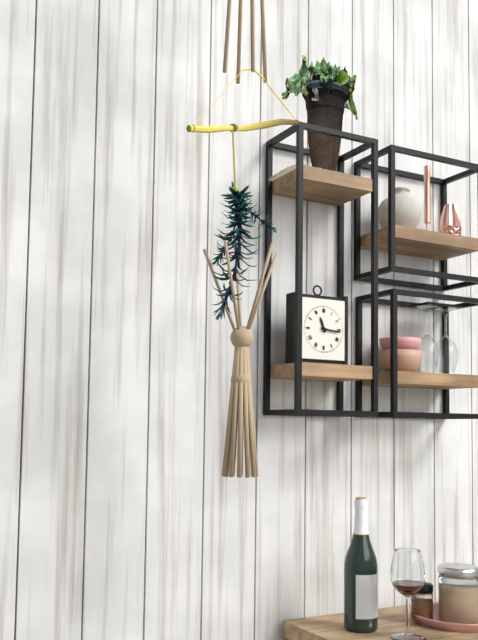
{"hour": 11, "minute": 16}
